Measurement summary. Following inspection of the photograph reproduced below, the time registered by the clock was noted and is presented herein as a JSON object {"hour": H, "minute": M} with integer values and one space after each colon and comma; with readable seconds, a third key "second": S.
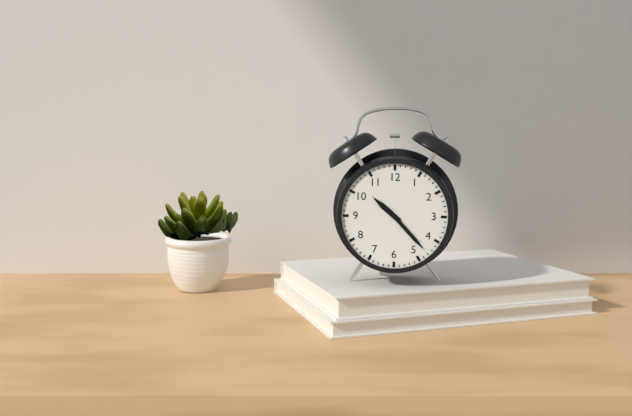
{"hour": 10, "minute": 23}
